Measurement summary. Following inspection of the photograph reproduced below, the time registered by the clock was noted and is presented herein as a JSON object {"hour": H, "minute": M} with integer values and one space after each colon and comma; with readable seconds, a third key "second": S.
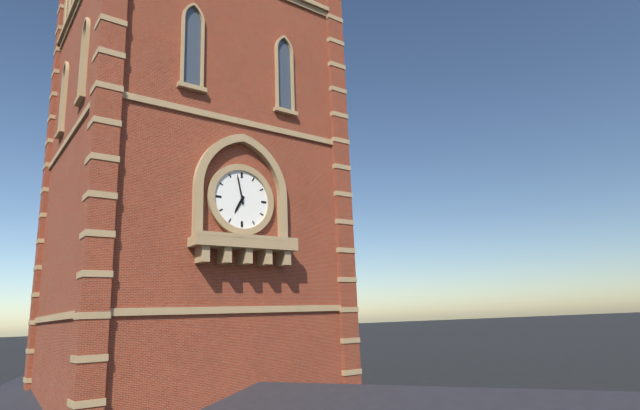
{"hour": 6, "minute": 58}
